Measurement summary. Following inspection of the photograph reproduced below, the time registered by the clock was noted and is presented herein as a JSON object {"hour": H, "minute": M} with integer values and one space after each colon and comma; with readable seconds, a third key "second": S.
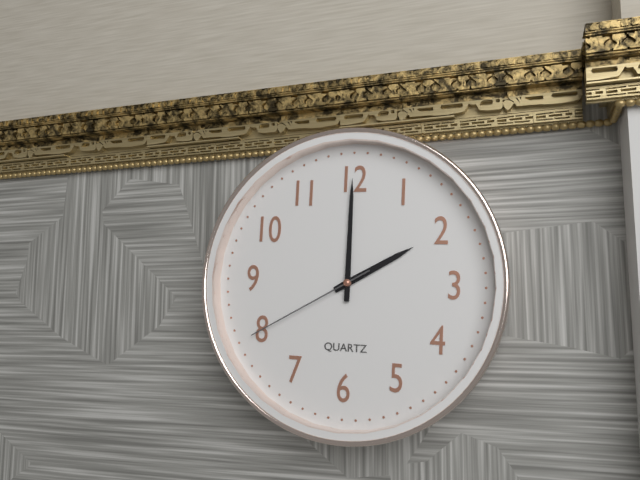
{"hour": 2, "minute": 0, "second": 40}
